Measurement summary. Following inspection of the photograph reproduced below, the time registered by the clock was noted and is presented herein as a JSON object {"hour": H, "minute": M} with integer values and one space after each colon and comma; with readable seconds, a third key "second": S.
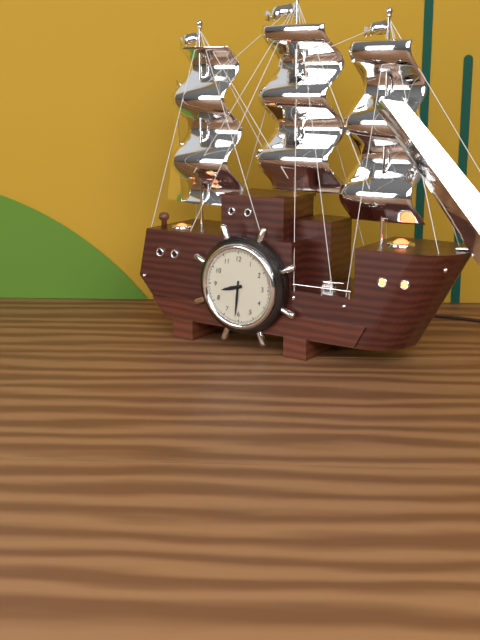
{"hour": 8, "minute": 31}
